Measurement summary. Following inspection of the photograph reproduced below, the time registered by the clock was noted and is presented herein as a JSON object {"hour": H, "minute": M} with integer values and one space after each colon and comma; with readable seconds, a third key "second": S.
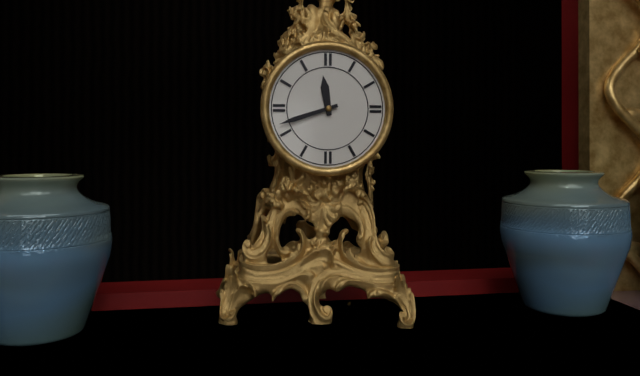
{"hour": 11, "minute": 42}
